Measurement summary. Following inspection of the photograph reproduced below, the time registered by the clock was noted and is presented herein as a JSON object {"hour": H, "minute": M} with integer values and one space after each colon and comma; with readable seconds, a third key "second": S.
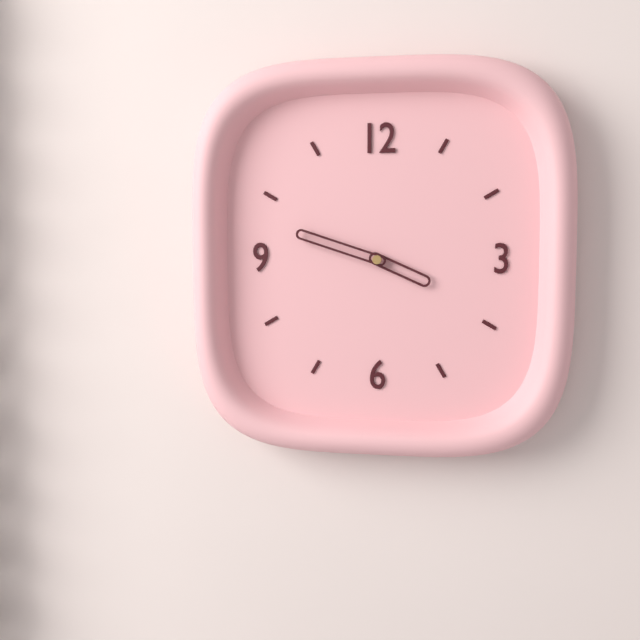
{"hour": 3, "minute": 48}
